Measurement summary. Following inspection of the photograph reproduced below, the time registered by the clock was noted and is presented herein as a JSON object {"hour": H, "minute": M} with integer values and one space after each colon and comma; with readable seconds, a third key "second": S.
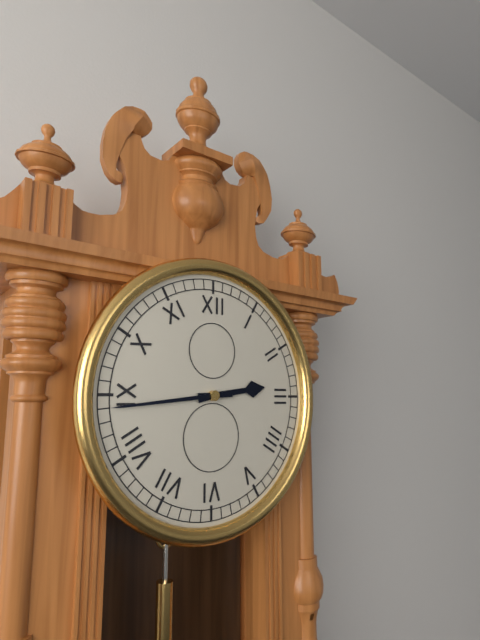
{"hour": 2, "minute": 44}
